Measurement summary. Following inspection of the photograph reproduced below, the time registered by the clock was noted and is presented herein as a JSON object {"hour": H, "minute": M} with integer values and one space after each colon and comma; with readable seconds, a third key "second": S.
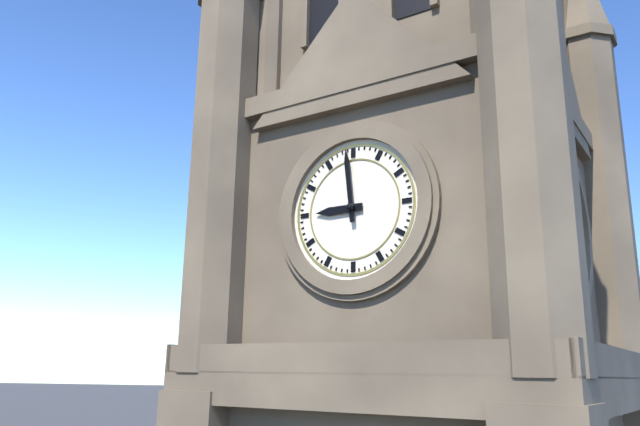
{"hour": 8, "minute": 59}
